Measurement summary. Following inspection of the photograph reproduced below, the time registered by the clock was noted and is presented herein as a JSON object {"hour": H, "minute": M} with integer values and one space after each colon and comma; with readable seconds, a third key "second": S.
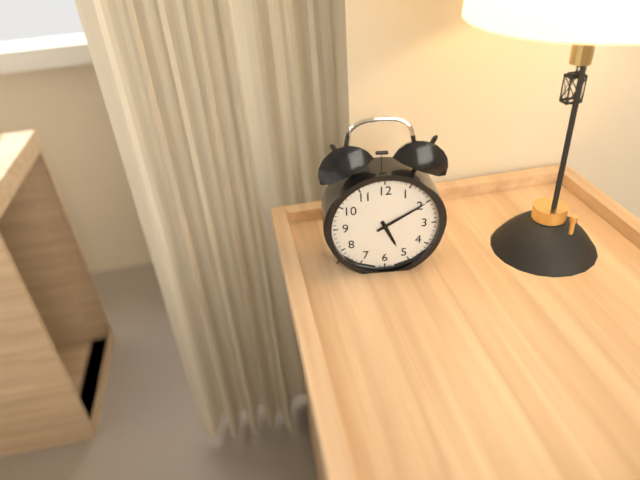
{"hour": 5, "minute": 10}
